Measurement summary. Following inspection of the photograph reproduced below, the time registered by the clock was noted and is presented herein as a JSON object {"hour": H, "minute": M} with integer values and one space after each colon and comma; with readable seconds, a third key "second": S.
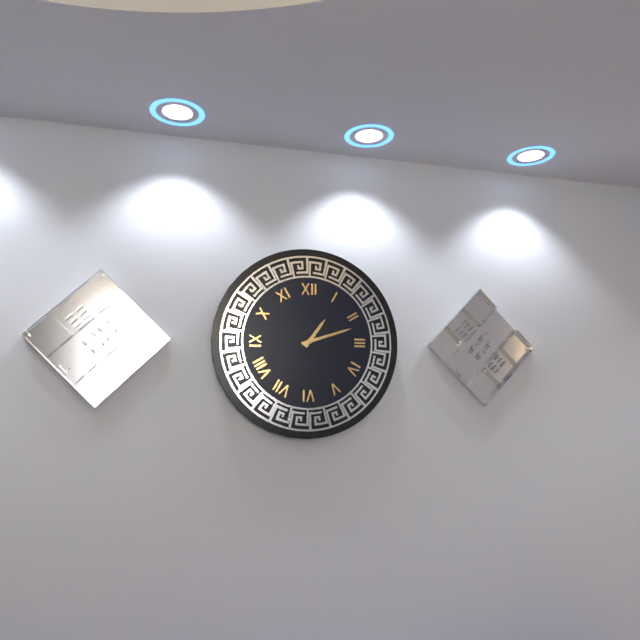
{"hour": 1, "minute": 12}
